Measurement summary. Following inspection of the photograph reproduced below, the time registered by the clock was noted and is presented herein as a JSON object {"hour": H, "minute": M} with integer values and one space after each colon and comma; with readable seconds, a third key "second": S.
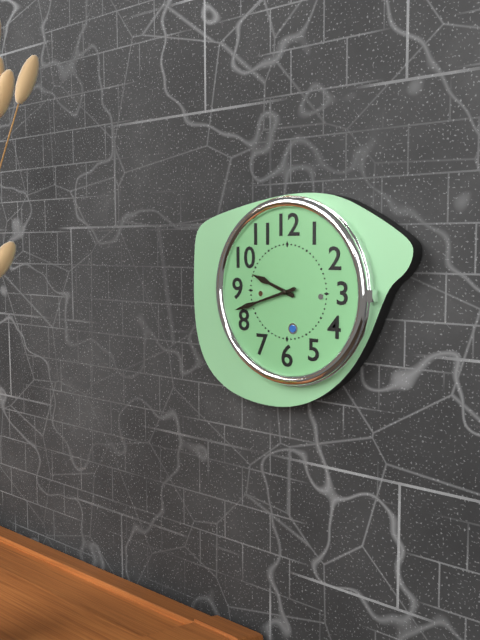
{"hour": 9, "minute": 42}
